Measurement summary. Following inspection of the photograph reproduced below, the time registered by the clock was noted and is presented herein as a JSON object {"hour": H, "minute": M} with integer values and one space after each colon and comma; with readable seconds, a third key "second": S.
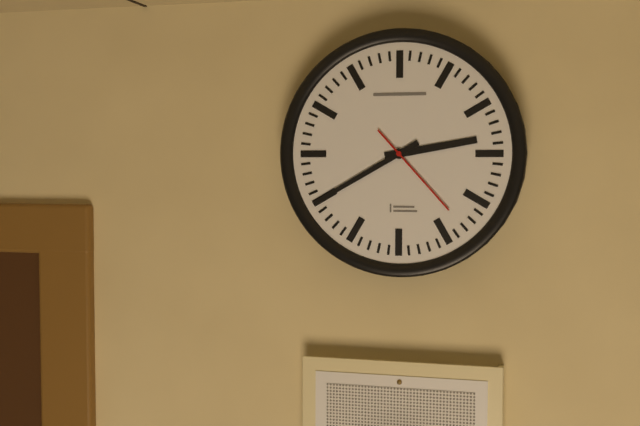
{"hour": 2, "minute": 40, "second": 23}
